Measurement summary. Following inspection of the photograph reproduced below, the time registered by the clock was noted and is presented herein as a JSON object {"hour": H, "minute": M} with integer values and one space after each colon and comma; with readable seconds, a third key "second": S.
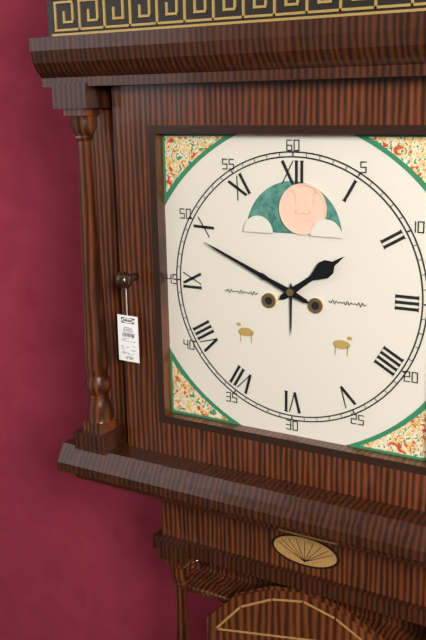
{"hour": 1, "minute": 49}
